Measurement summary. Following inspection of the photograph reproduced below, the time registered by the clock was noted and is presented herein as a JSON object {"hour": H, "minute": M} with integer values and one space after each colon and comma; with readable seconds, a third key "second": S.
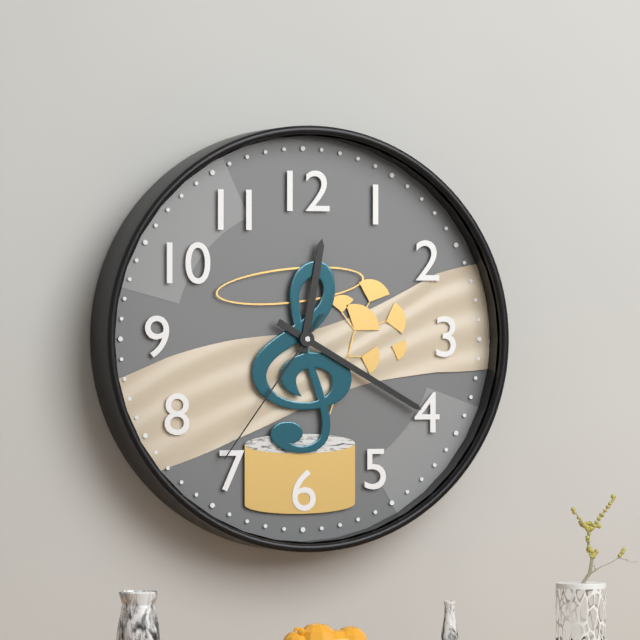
{"hour": 12, "minute": 20, "second": 36}
